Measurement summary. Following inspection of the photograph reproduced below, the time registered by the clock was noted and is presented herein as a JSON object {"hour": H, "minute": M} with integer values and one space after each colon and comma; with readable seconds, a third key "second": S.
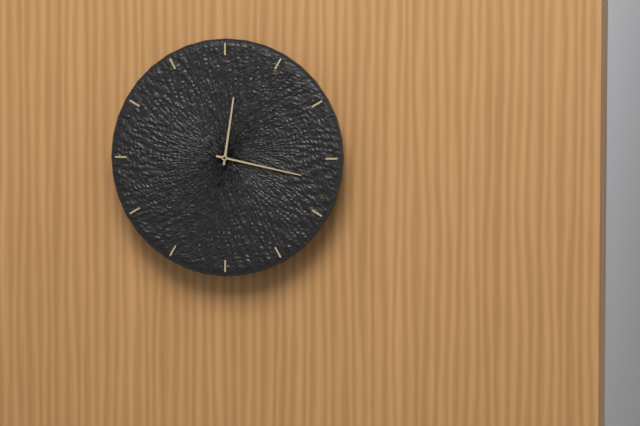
{"hour": 12, "minute": 17}
